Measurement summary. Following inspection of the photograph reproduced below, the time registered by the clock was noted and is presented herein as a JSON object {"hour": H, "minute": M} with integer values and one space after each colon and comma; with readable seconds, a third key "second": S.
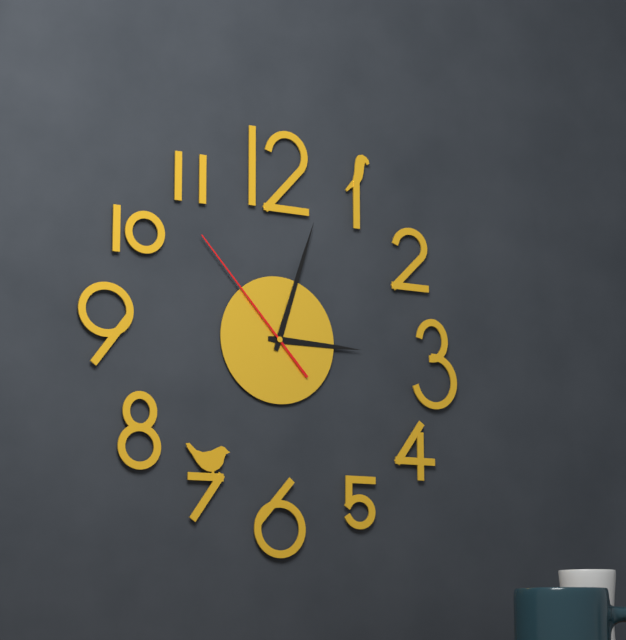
{"hour": 3, "minute": 3, "second": 53}
